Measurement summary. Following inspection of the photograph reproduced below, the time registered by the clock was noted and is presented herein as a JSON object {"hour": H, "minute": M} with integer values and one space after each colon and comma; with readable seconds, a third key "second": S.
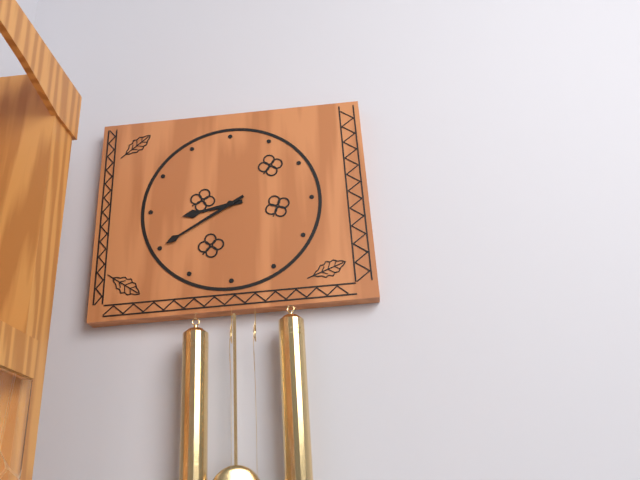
{"hour": 8, "minute": 40}
